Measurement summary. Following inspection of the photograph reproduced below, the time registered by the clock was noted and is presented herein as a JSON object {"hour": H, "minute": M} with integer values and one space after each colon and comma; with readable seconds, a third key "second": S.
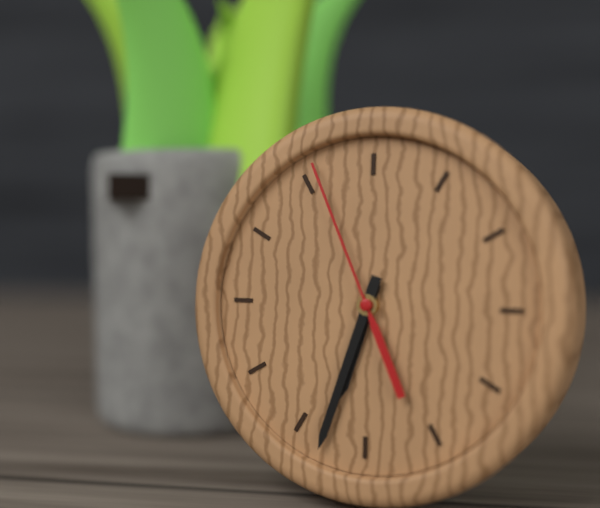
{"hour": 6, "minute": 33, "second": 56}
